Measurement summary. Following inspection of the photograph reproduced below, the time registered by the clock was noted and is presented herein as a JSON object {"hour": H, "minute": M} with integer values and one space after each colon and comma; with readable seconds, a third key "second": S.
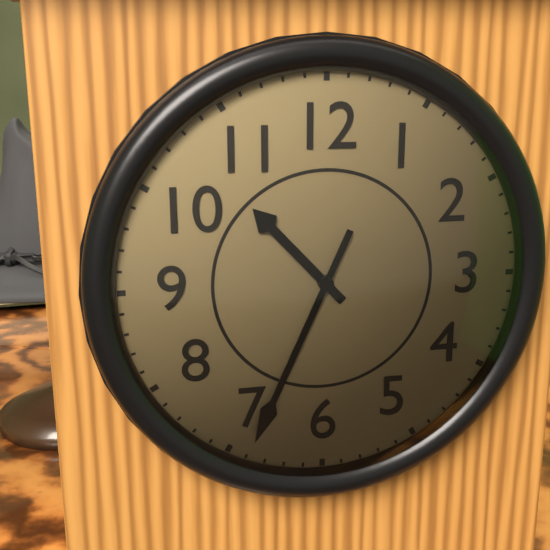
{"hour": 10, "minute": 34}
